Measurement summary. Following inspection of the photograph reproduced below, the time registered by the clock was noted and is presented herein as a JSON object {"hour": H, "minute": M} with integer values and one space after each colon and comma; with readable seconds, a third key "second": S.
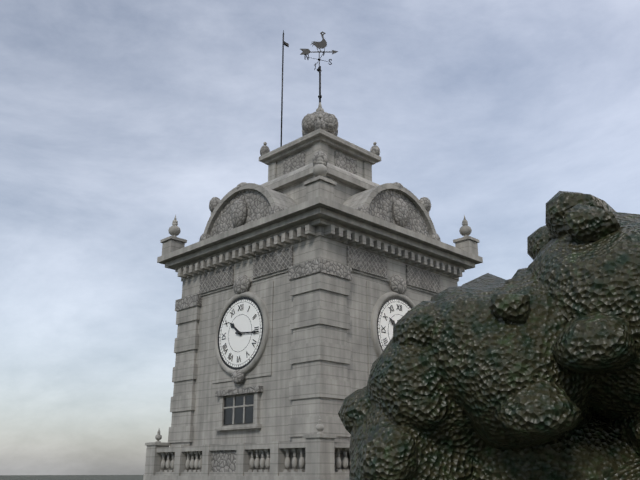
{"hour": 10, "minute": 16}
